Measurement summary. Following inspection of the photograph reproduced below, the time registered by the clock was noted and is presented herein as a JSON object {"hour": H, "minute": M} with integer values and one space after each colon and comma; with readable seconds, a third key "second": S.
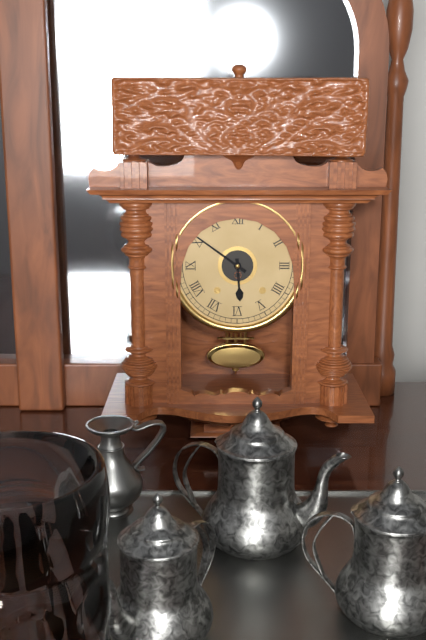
{"hour": 5, "minute": 51}
